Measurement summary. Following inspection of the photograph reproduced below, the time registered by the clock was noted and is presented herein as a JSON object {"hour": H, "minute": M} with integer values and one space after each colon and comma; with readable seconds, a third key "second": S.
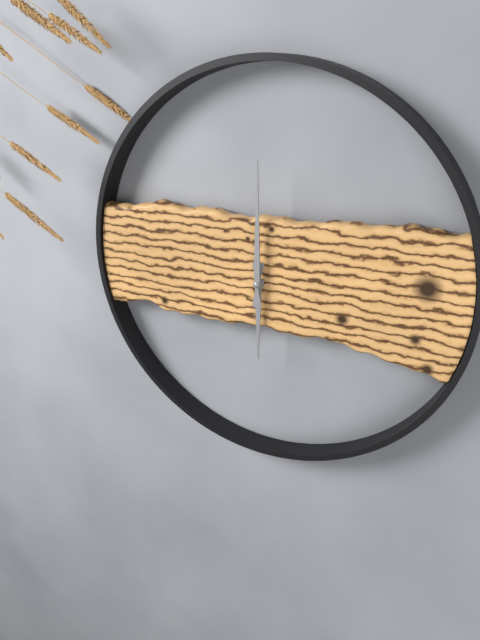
{"hour": 6, "minute": 0}
